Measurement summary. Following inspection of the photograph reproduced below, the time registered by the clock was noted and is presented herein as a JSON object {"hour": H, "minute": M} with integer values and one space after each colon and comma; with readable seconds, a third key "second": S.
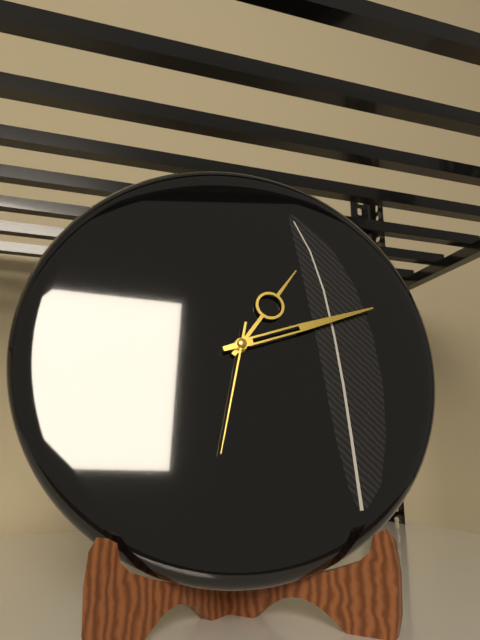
{"hour": 1, "minute": 12, "second": 32}
